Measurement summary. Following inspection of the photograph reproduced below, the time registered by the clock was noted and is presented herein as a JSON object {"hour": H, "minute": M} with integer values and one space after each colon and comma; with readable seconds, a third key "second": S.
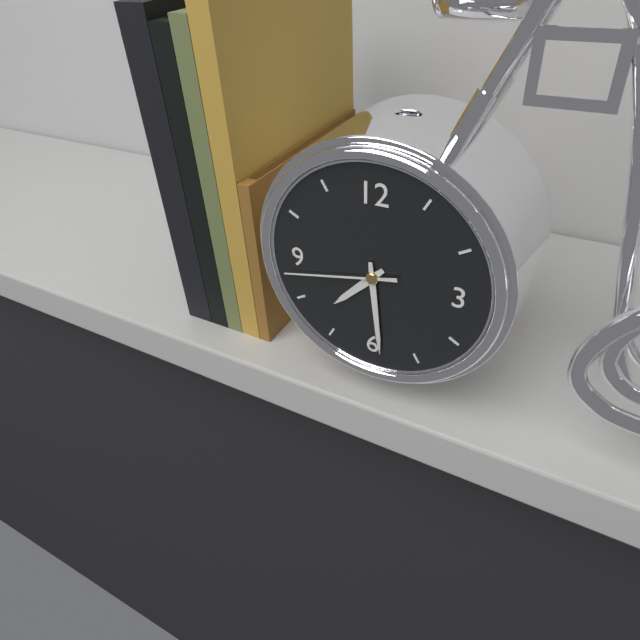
{"hour": 7, "minute": 29, "second": 43}
